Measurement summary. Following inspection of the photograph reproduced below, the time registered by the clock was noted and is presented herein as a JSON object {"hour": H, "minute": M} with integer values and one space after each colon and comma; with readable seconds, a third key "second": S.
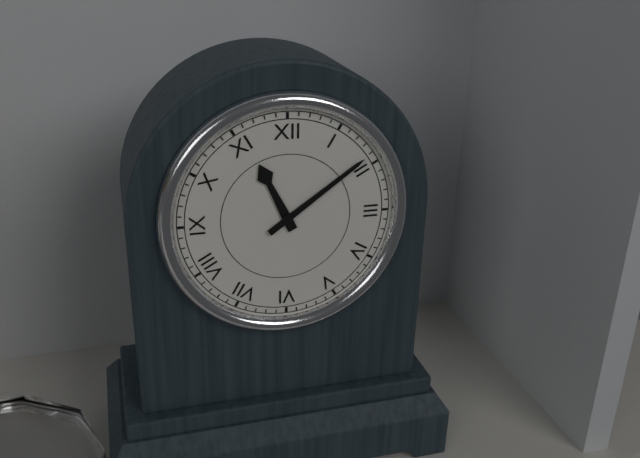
{"hour": 11, "minute": 9}
